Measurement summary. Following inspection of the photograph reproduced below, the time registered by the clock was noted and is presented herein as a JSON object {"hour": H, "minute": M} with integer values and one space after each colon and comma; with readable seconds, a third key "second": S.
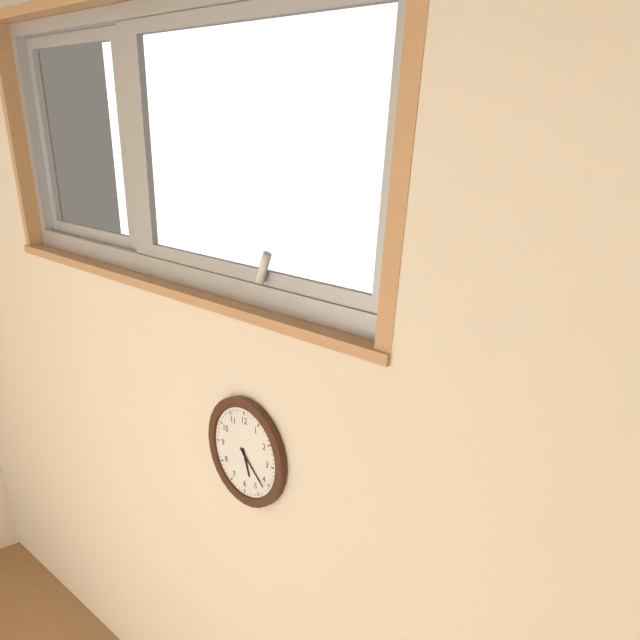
{"hour": 5, "minute": 22}
